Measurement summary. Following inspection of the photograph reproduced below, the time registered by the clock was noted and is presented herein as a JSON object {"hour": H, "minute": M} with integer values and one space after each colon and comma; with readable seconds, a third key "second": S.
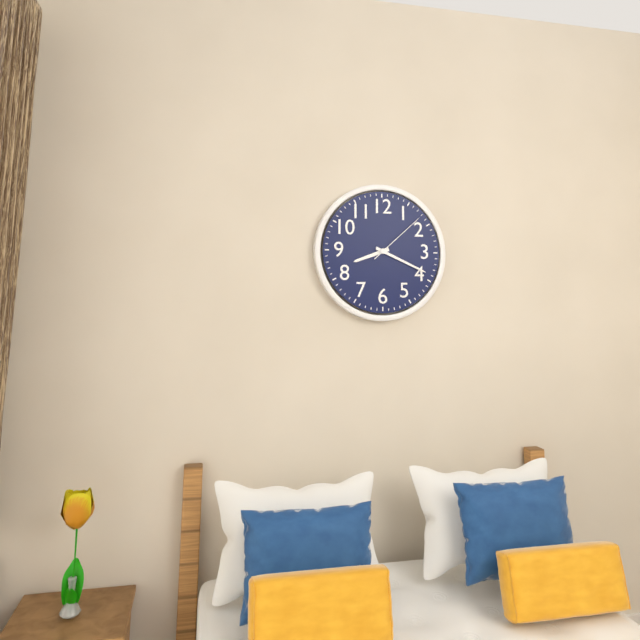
{"hour": 8, "minute": 19, "second": 8}
